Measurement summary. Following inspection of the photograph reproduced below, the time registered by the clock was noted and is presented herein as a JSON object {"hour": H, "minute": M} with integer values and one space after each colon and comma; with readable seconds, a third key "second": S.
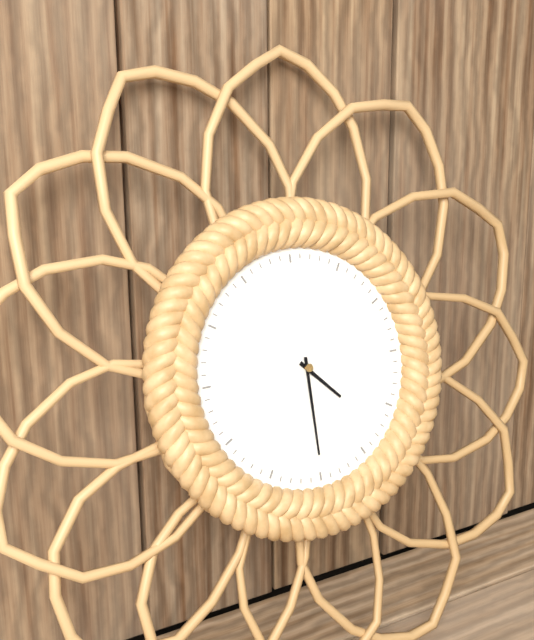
{"hour": 4, "minute": 30}
